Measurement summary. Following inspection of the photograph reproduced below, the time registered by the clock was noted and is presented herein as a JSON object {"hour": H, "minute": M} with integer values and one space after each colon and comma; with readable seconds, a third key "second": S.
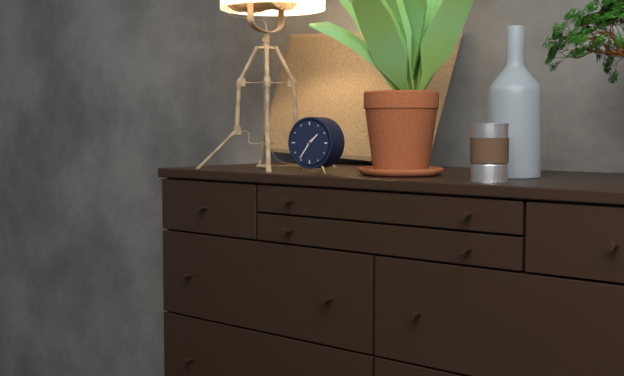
{"hour": 1, "minute": 36}
